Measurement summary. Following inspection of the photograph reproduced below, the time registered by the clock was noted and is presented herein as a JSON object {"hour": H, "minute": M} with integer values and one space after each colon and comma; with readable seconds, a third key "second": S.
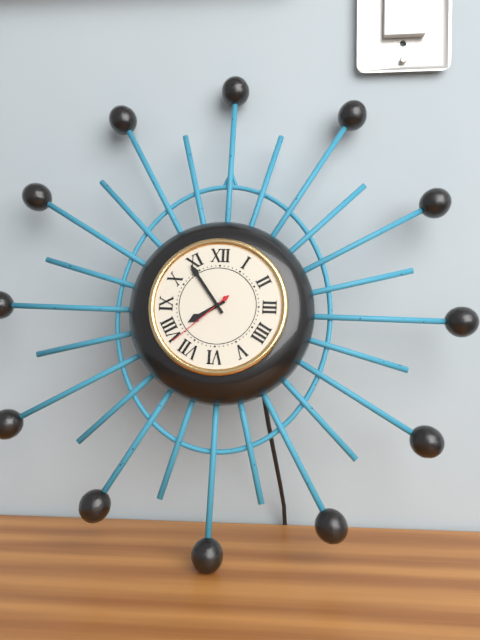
{"hour": 7, "minute": 54, "second": 38}
